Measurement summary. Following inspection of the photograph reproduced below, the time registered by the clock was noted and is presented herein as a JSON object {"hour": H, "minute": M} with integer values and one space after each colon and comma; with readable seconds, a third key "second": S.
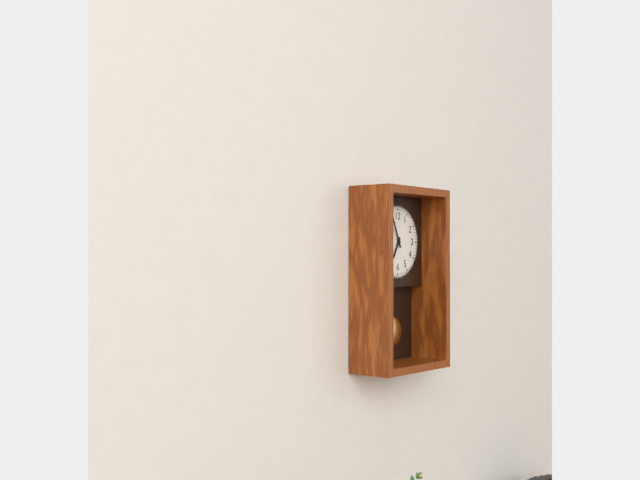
{"hour": 6, "minute": 56}
